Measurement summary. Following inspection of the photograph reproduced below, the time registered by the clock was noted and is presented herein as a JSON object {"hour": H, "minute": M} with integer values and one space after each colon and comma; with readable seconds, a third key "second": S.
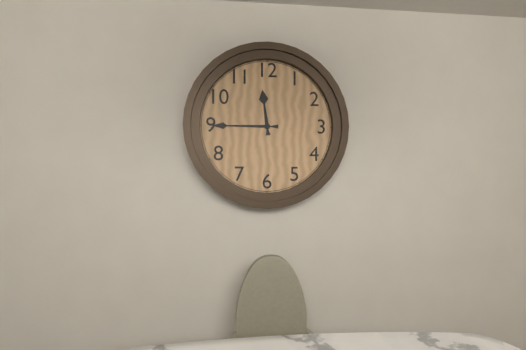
{"hour": 11, "minute": 45}
